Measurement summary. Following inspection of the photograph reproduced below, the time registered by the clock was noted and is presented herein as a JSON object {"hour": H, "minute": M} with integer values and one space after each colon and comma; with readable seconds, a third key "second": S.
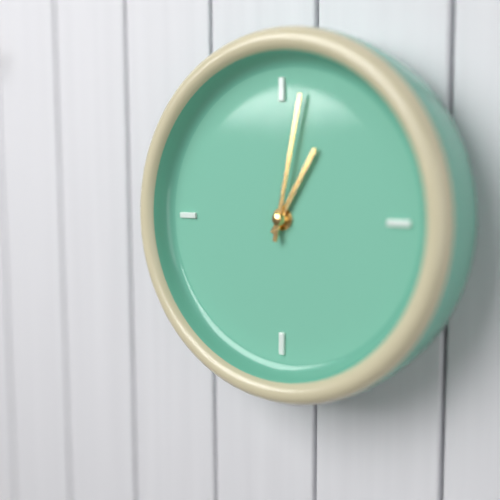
{"hour": 1, "minute": 2}
